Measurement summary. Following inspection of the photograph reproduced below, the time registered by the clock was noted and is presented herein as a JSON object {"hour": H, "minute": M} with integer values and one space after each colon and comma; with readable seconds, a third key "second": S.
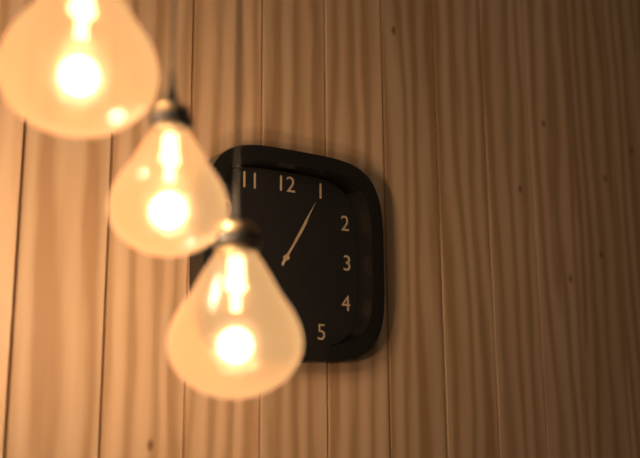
{"hour": 1, "minute": 5}
